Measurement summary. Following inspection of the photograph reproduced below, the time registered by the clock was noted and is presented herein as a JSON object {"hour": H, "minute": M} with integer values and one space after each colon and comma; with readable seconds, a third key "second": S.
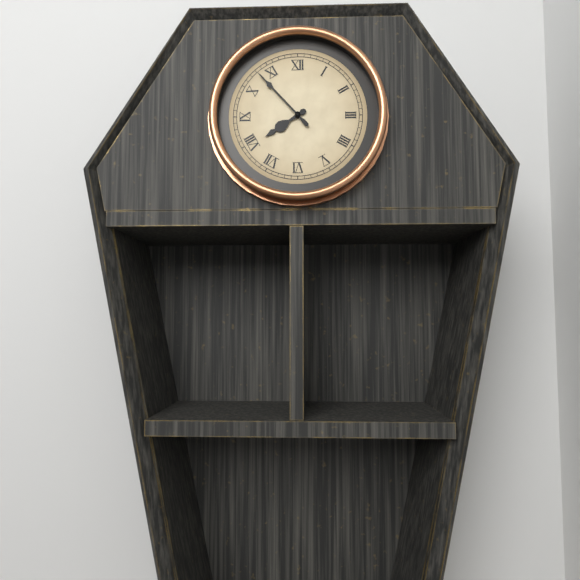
{"hour": 7, "minute": 53}
